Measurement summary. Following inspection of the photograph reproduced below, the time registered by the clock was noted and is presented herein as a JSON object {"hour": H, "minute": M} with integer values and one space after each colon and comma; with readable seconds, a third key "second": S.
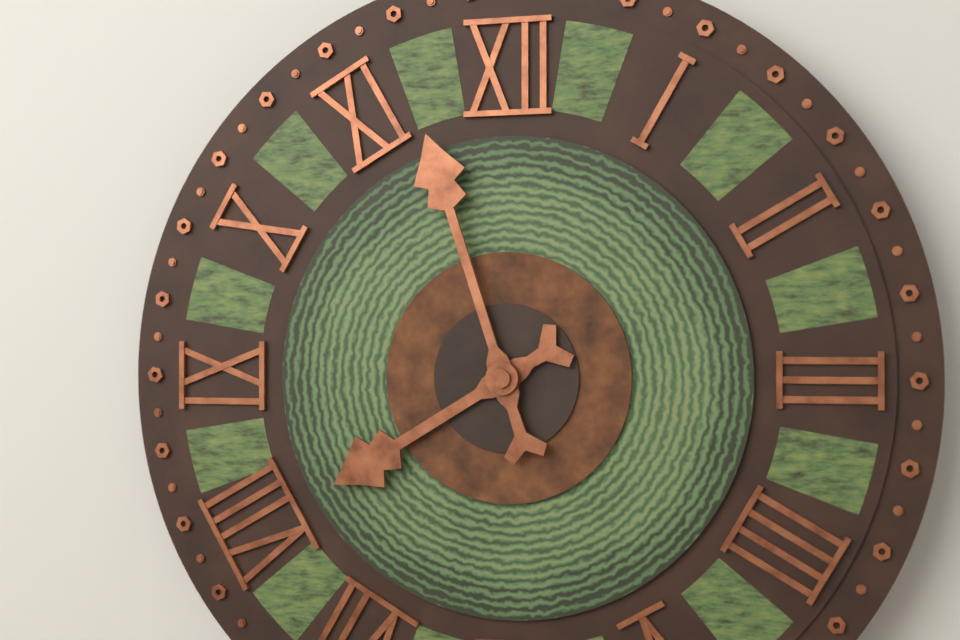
{"hour": 7, "minute": 57}
